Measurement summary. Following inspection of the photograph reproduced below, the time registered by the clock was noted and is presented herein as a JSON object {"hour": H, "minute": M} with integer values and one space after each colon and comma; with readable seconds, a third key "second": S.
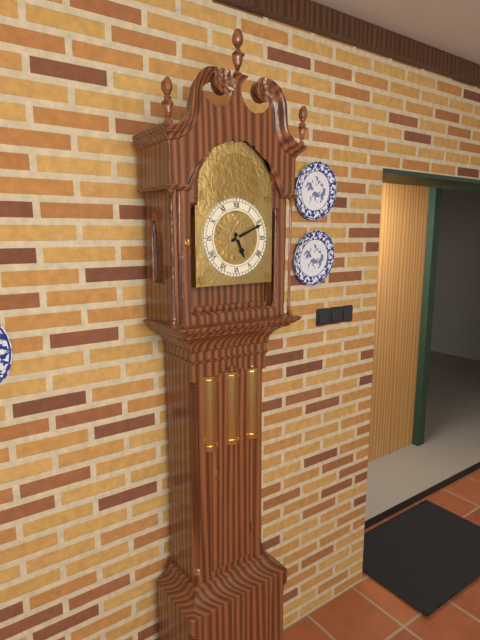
{"hour": 5, "minute": 11}
